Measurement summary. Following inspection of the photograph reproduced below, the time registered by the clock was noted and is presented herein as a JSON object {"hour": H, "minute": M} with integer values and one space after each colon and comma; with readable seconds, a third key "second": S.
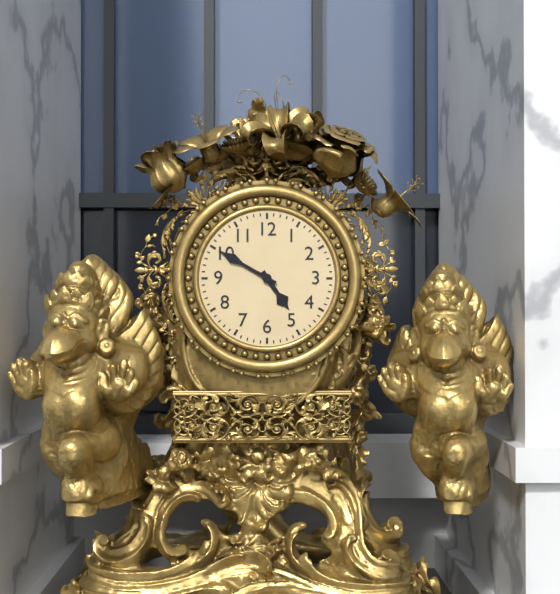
{"hour": 4, "minute": 50}
